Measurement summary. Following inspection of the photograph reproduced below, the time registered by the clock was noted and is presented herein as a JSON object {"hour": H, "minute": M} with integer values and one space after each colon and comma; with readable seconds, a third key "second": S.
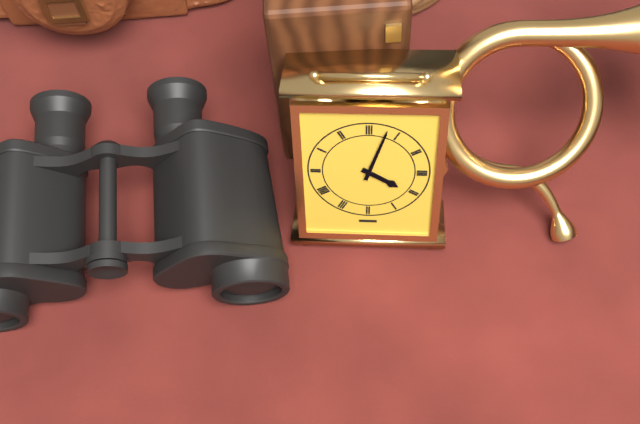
{"hour": 4, "minute": 3}
